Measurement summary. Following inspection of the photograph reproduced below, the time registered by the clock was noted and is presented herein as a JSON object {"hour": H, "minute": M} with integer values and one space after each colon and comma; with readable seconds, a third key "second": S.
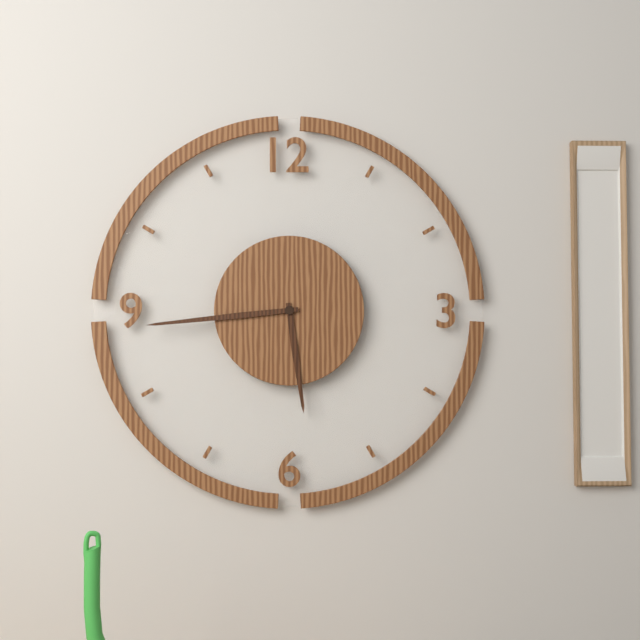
{"hour": 5, "minute": 44}
